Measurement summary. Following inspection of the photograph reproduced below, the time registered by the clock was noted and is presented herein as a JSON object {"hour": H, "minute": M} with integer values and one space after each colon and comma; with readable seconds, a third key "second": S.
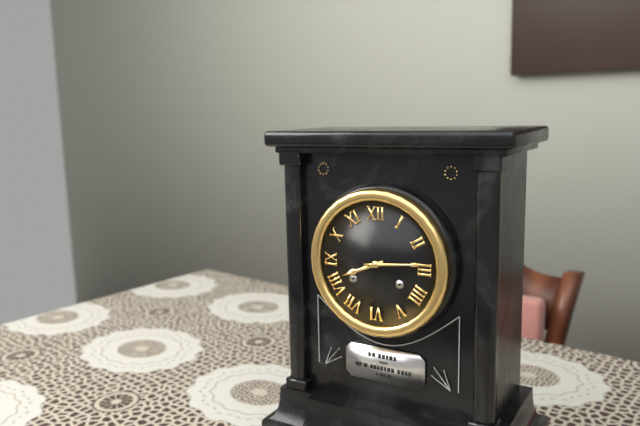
{"hour": 8, "minute": 14}
